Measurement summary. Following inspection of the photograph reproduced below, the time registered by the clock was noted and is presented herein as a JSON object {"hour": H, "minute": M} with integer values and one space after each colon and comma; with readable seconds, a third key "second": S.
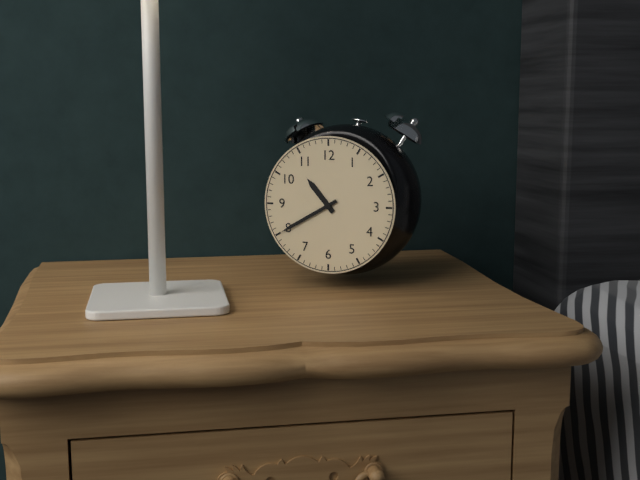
{"hour": 10, "minute": 40}
